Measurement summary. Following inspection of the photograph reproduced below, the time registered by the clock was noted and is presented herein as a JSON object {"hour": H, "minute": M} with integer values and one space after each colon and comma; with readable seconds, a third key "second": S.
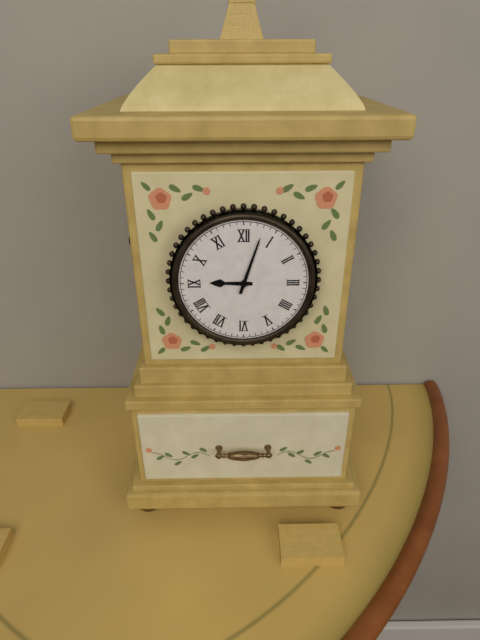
{"hour": 9, "minute": 3}
